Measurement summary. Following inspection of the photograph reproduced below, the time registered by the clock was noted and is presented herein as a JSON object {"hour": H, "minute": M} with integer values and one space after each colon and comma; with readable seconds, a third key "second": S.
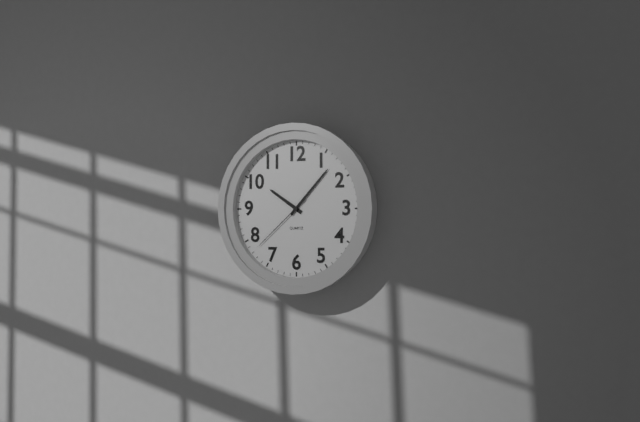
{"hour": 10, "minute": 7, "second": 38}
